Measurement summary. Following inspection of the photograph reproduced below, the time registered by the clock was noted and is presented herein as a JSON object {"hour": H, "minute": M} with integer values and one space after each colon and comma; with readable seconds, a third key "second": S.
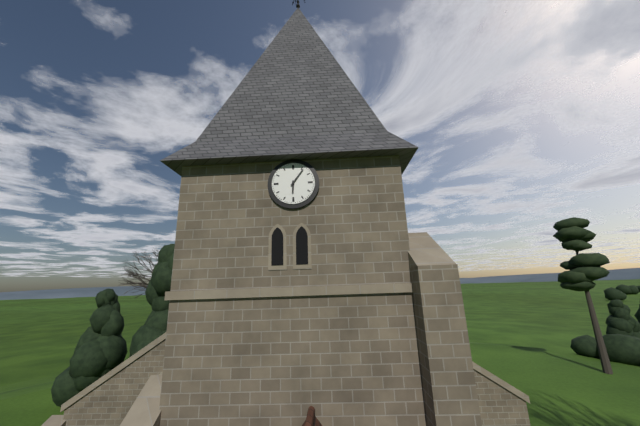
{"hour": 6, "minute": 6}
